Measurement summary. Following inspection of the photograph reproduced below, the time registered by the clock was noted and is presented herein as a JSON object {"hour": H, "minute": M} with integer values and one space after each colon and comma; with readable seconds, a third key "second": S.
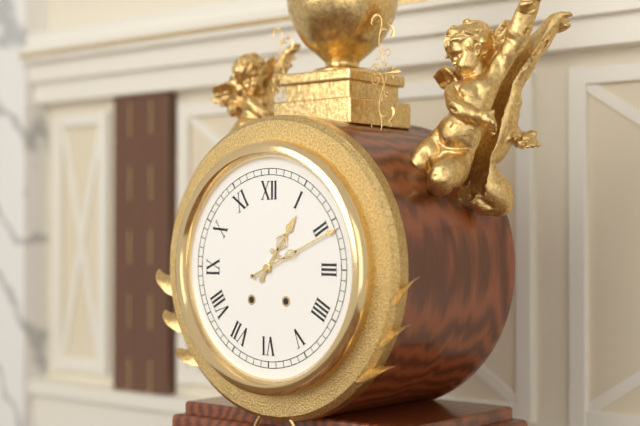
{"hour": 1, "minute": 11}
